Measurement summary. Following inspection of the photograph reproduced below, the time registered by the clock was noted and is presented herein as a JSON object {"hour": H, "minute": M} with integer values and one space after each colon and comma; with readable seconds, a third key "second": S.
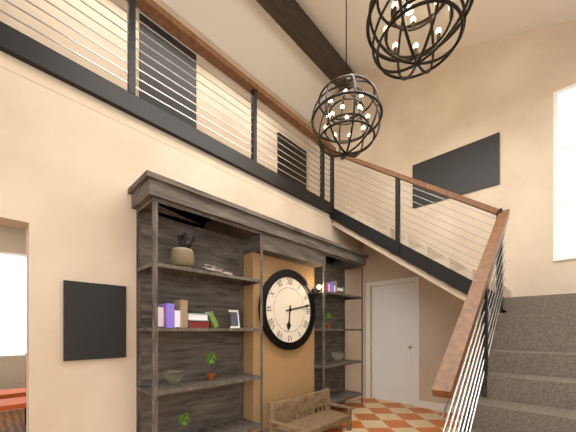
{"hour": 6, "minute": 13}
